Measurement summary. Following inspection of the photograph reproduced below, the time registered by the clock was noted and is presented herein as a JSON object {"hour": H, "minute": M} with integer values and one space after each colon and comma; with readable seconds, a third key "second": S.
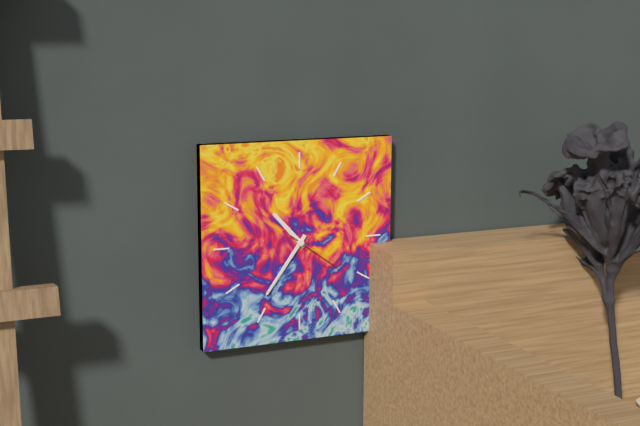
{"hour": 10, "minute": 36, "second": 21}
